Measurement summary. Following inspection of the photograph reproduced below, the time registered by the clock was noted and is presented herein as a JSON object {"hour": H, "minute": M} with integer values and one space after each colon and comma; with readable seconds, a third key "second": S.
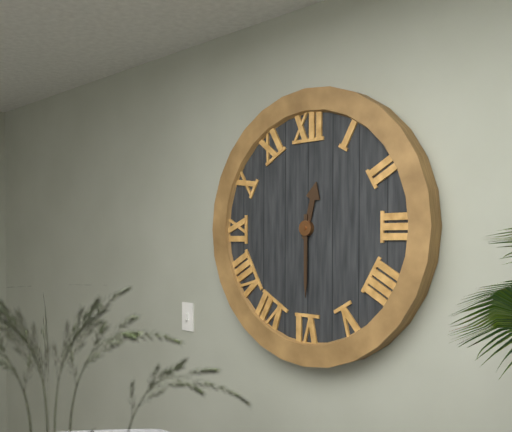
{"hour": 12, "minute": 30}
